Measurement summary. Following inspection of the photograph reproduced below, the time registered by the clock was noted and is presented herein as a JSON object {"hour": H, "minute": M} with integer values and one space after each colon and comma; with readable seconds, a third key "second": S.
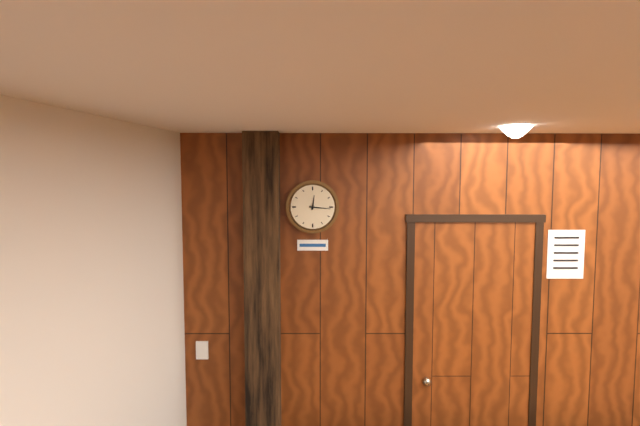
{"hour": 12, "minute": 16}
